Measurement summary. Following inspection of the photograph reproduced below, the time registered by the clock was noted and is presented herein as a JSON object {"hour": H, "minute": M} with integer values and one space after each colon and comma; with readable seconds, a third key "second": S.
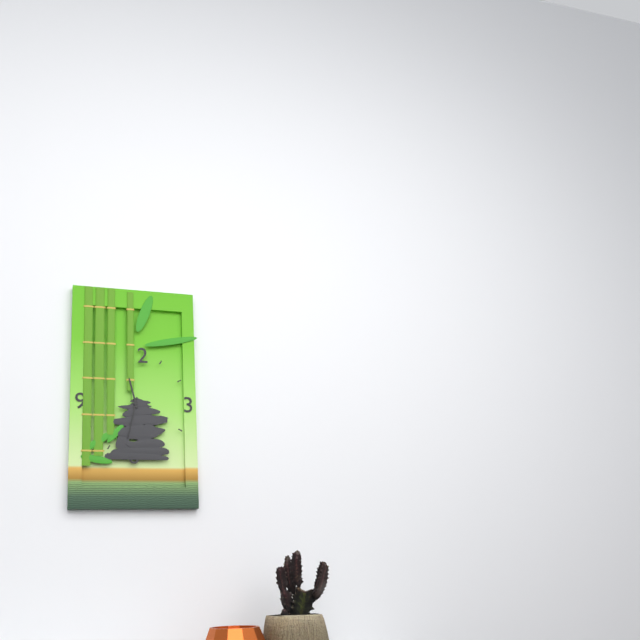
{"hour": 11, "minute": 32}
